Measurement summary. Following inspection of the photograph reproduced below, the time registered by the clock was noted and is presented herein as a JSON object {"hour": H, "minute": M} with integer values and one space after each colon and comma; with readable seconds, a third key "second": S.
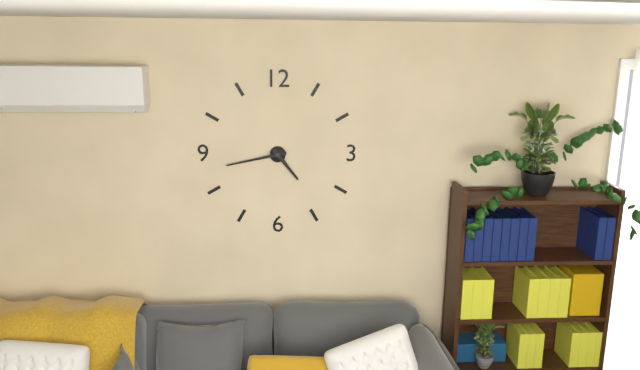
{"hour": 4, "minute": 43}
